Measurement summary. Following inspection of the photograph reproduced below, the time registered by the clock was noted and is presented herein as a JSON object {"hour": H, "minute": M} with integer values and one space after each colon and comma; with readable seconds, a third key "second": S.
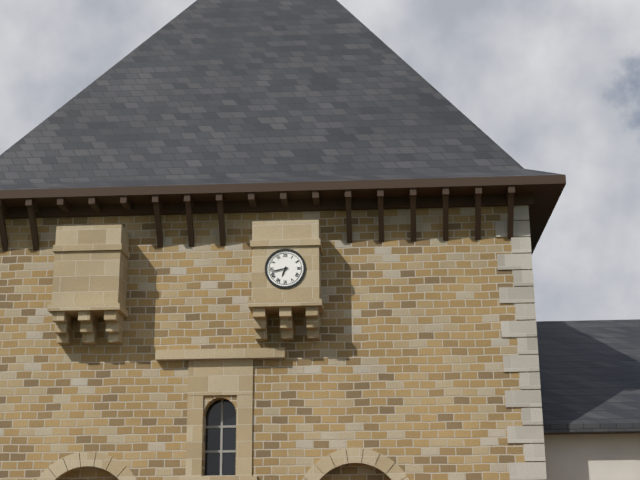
{"hour": 6, "minute": 43}
